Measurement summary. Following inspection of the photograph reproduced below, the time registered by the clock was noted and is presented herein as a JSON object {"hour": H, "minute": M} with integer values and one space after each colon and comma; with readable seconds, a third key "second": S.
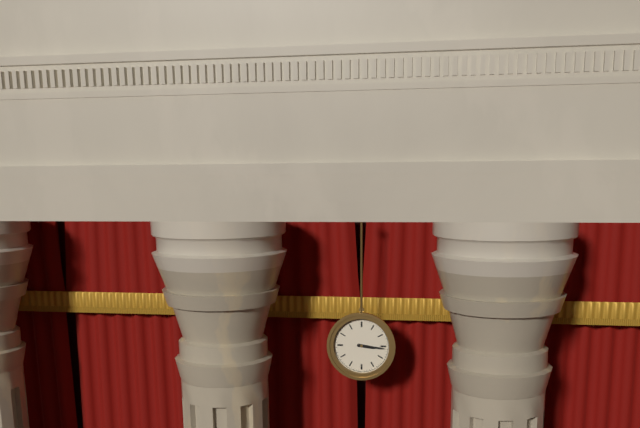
{"hour": 3, "minute": 16}
